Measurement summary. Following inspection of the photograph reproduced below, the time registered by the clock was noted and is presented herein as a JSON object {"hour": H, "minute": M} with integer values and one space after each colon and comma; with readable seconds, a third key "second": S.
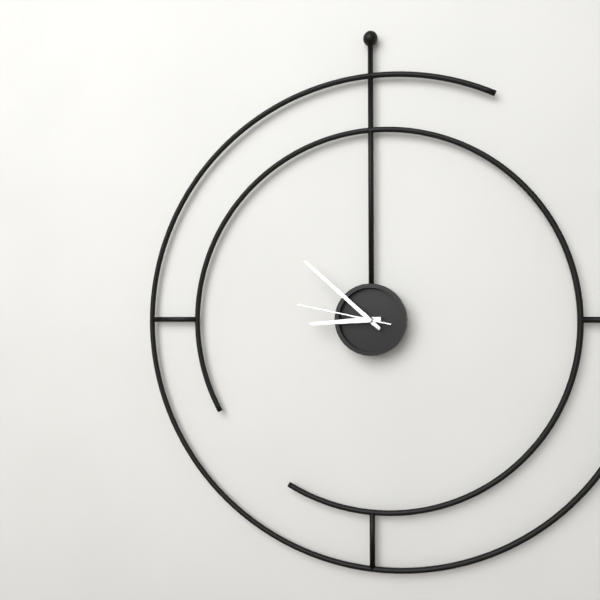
{"hour": 8, "minute": 52, "second": 47}
